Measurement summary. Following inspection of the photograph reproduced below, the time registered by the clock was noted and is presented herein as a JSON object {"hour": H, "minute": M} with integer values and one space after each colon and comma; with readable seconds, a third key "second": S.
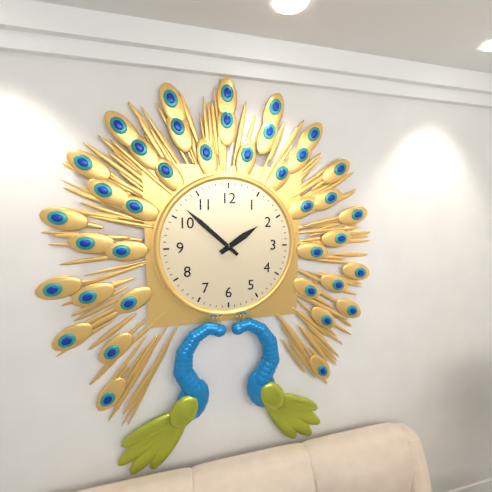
{"hour": 1, "minute": 52}
